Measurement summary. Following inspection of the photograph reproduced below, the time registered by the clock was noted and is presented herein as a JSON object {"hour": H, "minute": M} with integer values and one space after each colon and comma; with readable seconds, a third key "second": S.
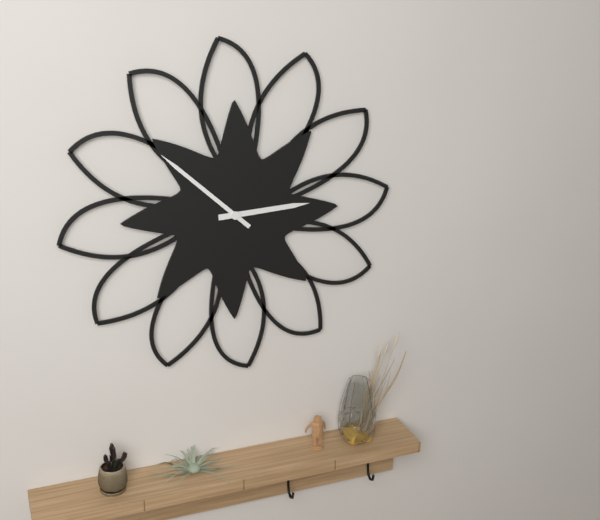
{"hour": 2, "minute": 52}
